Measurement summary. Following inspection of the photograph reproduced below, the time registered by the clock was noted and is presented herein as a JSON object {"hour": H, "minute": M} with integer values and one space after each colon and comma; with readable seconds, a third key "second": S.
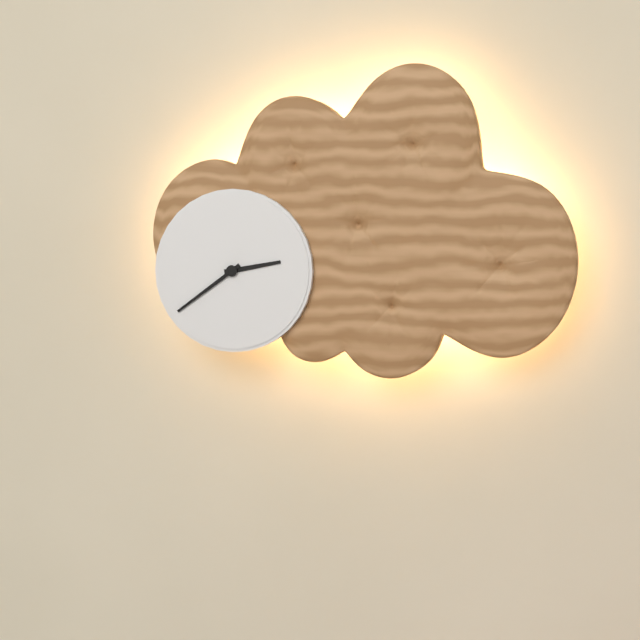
{"hour": 2, "minute": 39}
